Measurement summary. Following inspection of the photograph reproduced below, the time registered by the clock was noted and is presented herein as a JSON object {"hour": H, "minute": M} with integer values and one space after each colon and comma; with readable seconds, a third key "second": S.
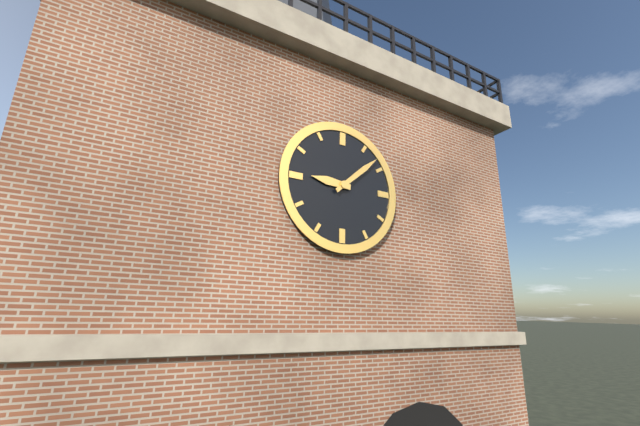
{"hour": 9, "minute": 8}
